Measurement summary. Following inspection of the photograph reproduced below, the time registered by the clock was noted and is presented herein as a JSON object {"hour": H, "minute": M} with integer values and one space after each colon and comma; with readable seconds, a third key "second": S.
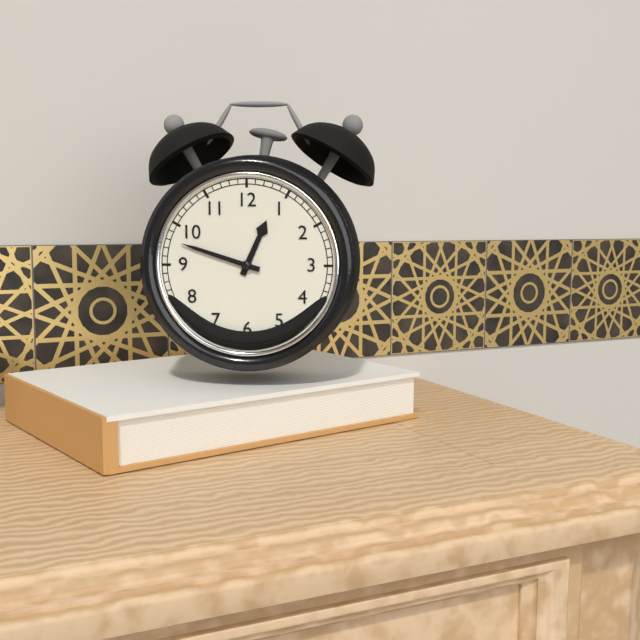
{"hour": 12, "minute": 48}
